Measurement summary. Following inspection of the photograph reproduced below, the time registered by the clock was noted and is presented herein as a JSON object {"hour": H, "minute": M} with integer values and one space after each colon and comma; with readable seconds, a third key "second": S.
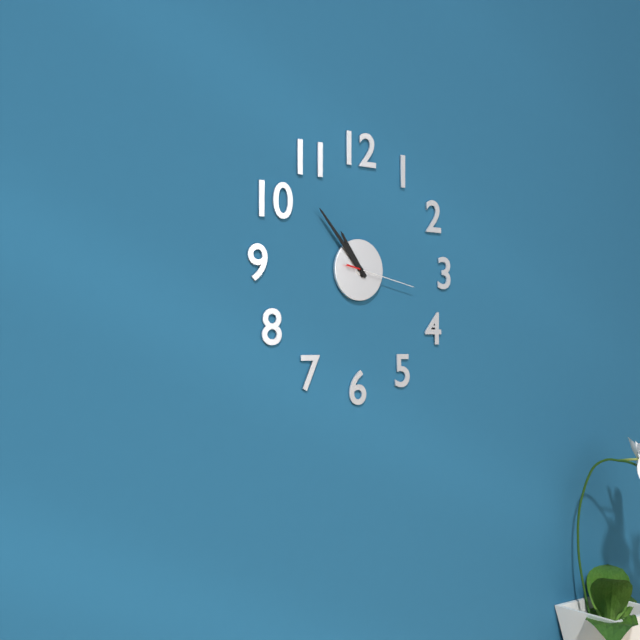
{"hour": 10, "minute": 53, "second": 17}
